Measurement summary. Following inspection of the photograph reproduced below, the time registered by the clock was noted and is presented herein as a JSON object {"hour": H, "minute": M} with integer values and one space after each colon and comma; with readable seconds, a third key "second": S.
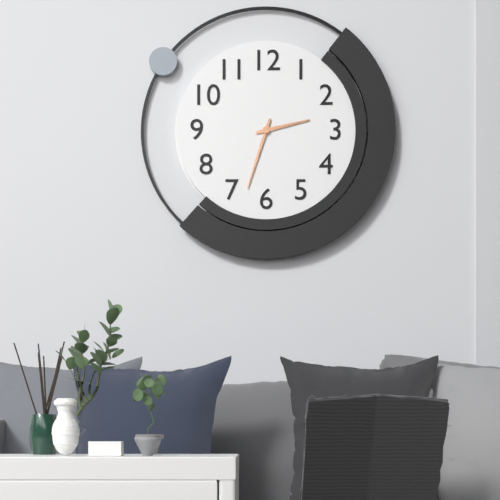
{"hour": 2, "minute": 33}
